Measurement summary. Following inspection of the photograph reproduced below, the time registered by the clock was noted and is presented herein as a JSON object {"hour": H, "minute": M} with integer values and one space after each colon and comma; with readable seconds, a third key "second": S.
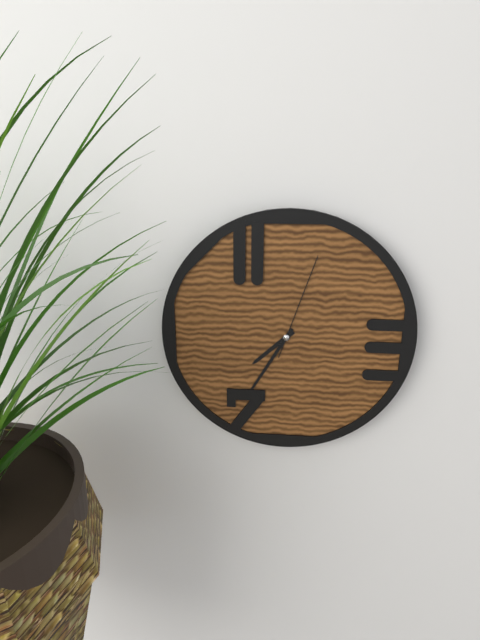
{"hour": 7, "minute": 35, "second": 3}
